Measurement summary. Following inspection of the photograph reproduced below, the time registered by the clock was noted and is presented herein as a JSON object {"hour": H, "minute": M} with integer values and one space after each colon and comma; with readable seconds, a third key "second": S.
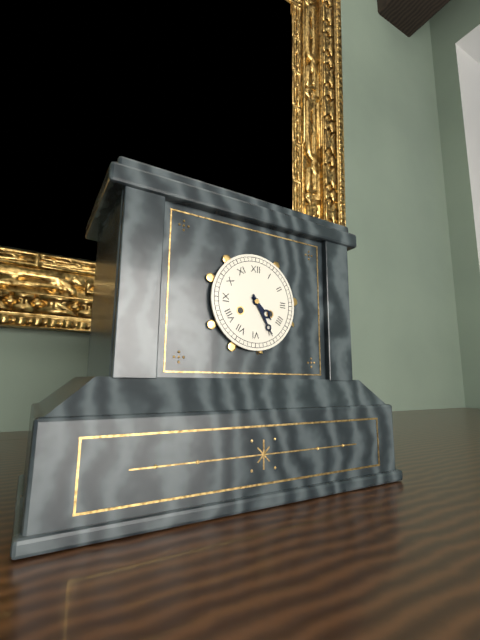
{"hour": 4, "minute": 25}
